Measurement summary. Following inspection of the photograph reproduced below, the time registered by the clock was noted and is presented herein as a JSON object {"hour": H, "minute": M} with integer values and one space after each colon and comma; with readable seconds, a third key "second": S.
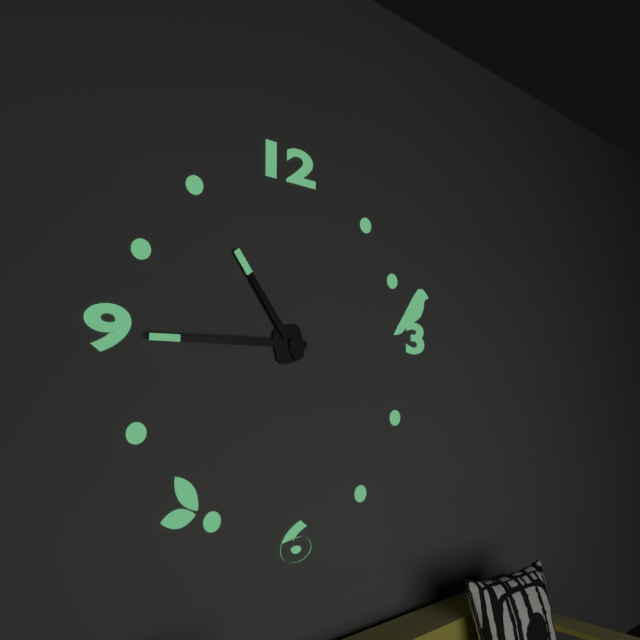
{"hour": 10, "minute": 45}
